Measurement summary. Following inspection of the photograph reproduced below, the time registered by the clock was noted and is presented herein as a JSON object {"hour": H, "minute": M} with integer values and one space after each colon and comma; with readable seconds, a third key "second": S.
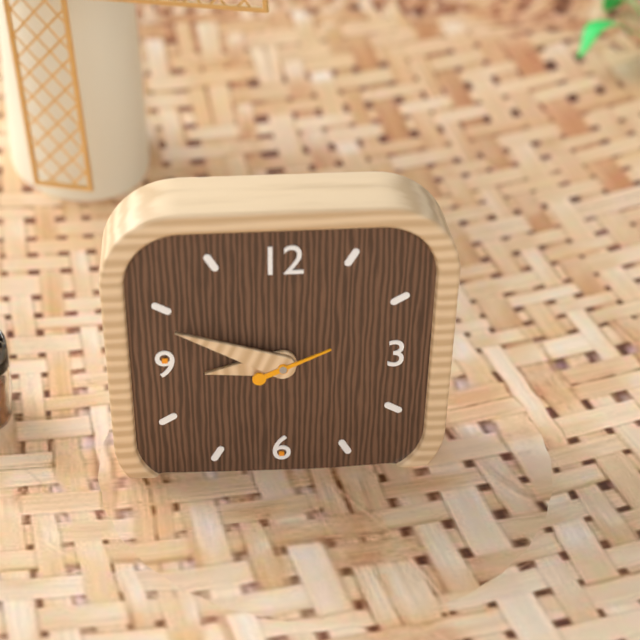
{"hour": 8, "minute": 49, "second": 11}
